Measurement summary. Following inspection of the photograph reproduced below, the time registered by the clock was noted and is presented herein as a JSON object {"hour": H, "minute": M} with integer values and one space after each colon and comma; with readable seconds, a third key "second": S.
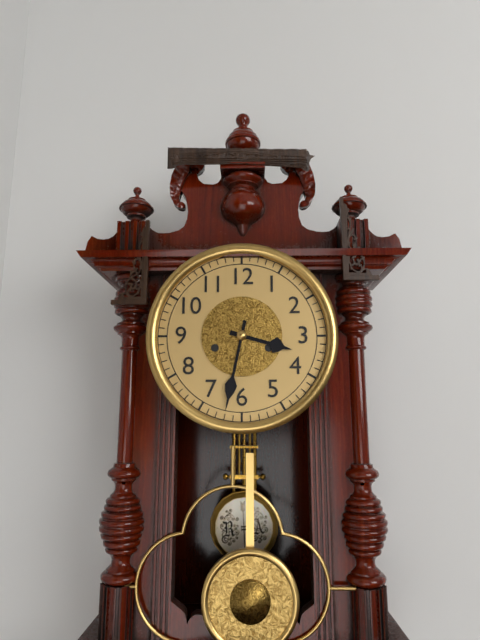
{"hour": 3, "minute": 32}
